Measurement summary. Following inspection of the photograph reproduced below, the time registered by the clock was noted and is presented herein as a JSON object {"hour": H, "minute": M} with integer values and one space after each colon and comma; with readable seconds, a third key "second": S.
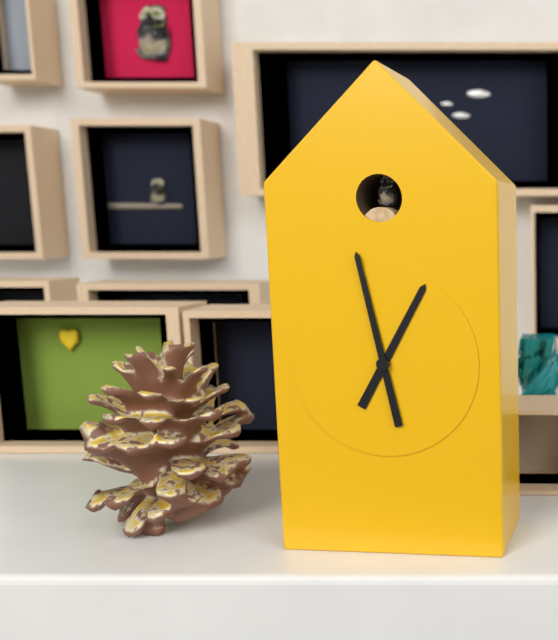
{"hour": 12, "minute": 58}
